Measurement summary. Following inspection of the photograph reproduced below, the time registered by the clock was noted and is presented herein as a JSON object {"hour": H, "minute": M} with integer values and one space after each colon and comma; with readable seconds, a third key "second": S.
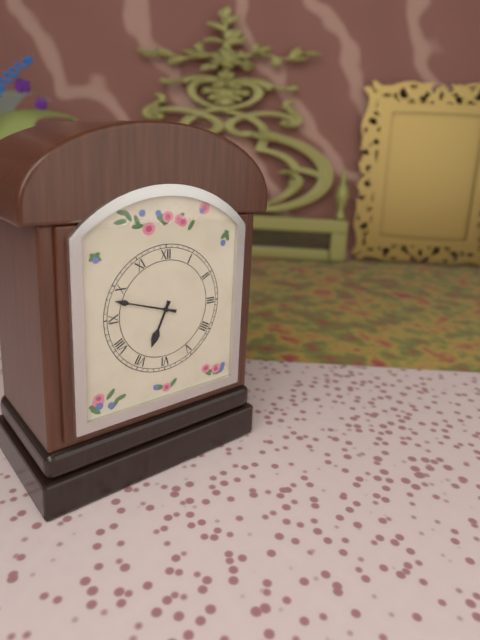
{"hour": 6, "minute": 48}
